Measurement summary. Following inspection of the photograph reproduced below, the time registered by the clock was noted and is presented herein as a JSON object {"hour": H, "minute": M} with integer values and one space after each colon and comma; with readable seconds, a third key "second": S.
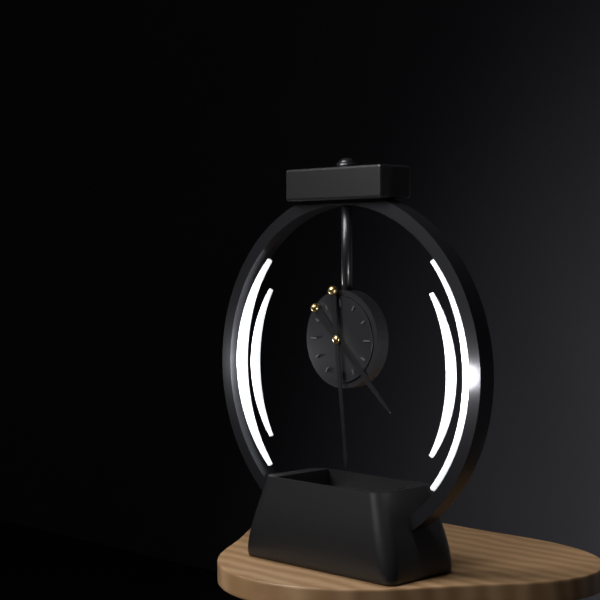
{"hour": 4, "minute": 29}
